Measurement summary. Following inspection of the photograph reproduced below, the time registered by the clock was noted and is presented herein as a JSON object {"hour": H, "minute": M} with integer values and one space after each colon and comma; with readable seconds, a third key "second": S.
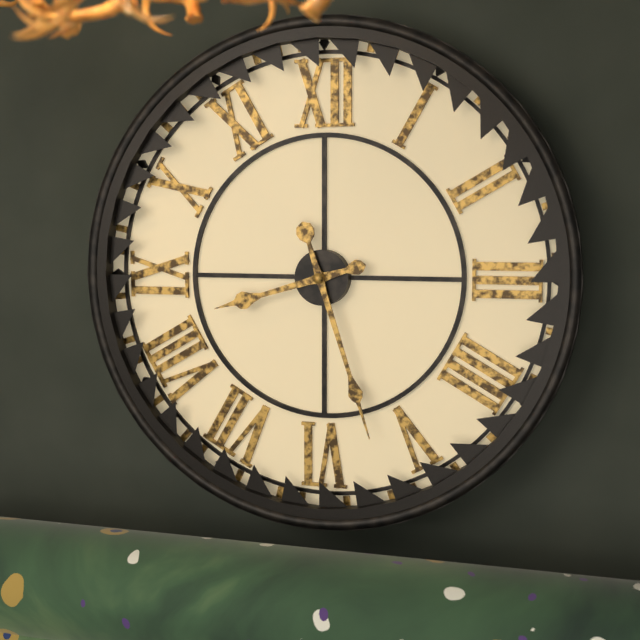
{"hour": 8, "minute": 27}
